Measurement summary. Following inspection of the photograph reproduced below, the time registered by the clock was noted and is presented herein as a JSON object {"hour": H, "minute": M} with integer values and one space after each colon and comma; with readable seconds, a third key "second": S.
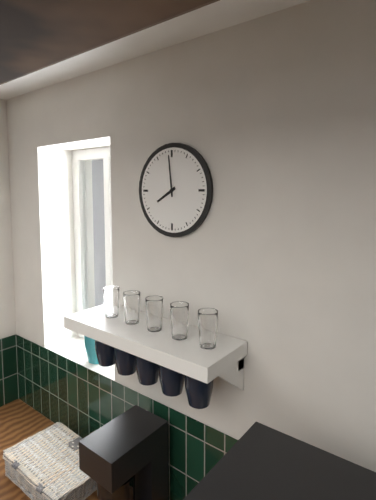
{"hour": 7, "minute": 59}
